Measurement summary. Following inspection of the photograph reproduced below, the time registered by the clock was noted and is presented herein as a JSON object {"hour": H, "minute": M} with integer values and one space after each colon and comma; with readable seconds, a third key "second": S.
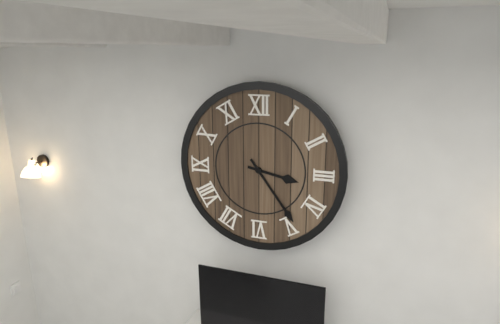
{"hour": 3, "minute": 24}
